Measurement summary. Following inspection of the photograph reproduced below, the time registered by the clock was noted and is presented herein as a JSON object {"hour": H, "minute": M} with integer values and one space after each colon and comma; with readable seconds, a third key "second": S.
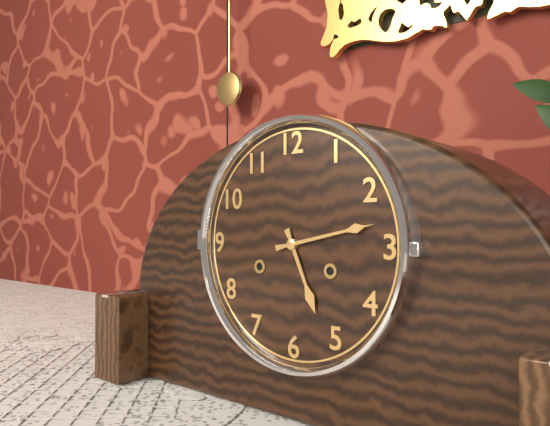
{"hour": 5, "minute": 13}
